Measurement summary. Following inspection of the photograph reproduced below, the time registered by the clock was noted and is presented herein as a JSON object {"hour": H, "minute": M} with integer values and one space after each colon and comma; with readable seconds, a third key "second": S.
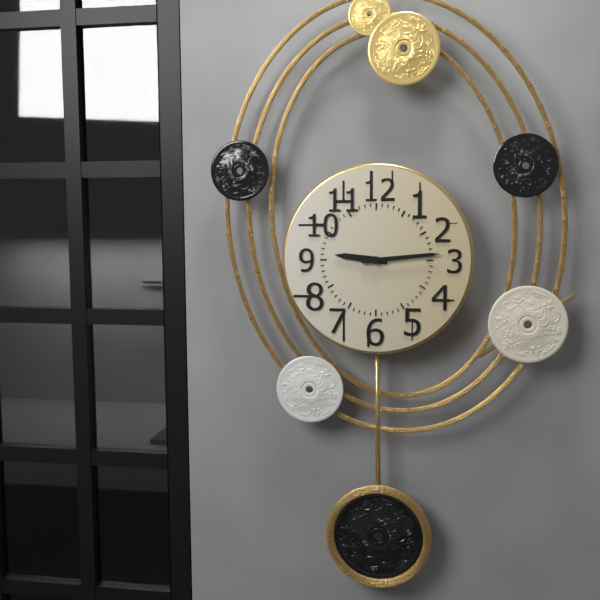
{"hour": 9, "minute": 14}
